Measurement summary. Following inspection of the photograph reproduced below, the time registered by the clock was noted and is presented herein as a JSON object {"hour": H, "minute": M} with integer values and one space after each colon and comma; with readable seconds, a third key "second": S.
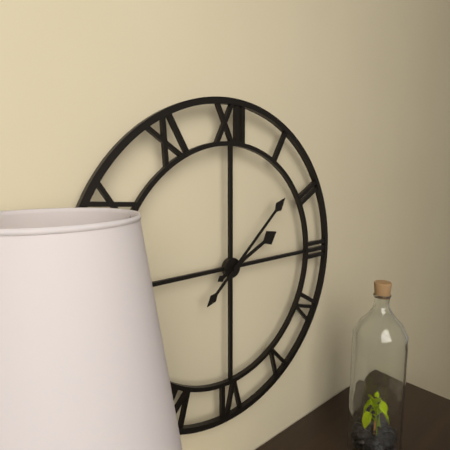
{"hour": 2, "minute": 8}
